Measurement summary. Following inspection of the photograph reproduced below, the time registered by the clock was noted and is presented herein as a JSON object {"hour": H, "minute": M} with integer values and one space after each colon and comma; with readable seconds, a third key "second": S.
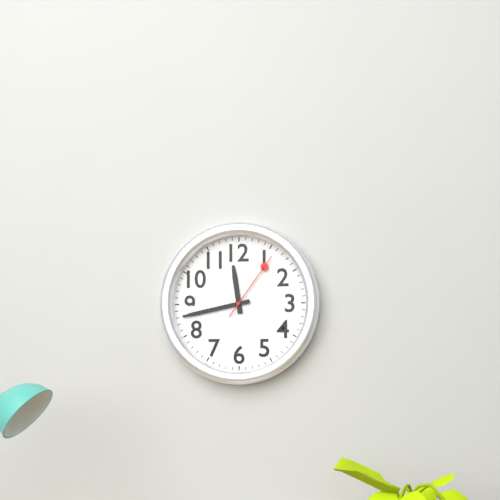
{"hour": 11, "minute": 43, "second": 6}
